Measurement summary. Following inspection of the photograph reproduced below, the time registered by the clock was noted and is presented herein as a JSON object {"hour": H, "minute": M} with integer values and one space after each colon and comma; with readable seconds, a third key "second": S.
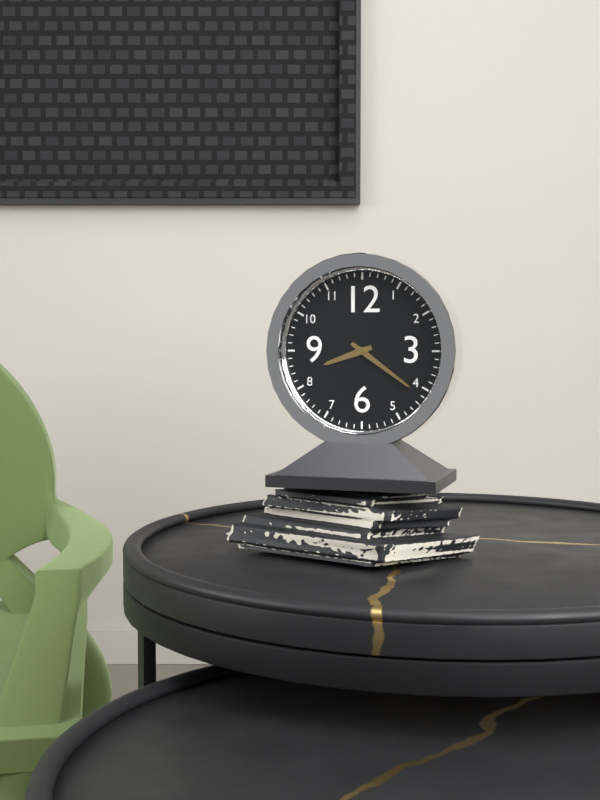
{"hour": 8, "minute": 21}
